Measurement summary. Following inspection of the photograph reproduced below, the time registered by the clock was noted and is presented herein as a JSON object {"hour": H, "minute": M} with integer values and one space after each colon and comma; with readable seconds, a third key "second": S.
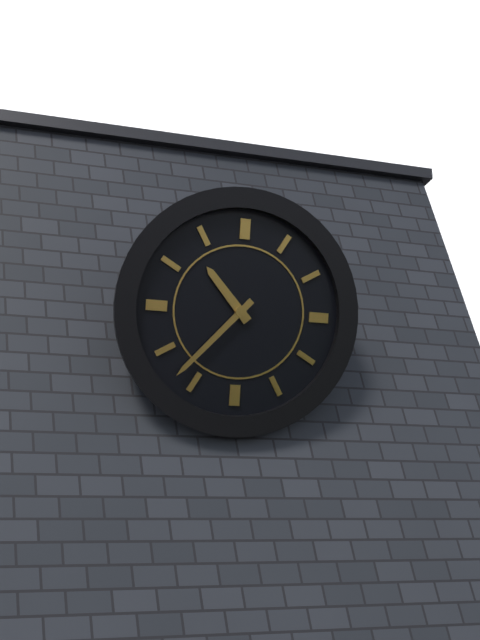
{"hour": 10, "minute": 37}
